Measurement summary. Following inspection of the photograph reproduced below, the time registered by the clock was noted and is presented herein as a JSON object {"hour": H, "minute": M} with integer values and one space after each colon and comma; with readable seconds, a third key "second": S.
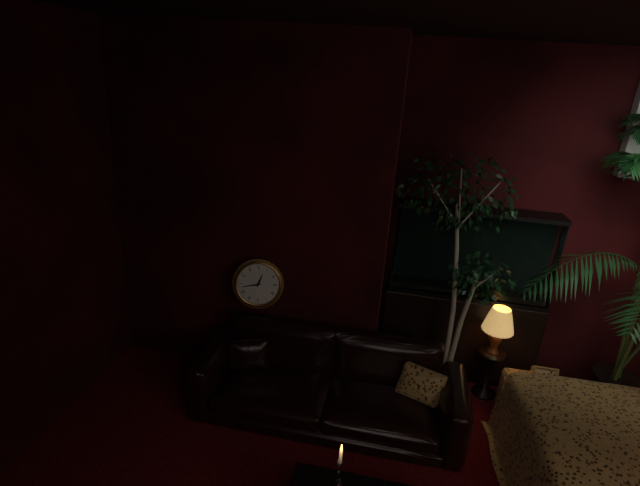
{"hour": 12, "minute": 43}
